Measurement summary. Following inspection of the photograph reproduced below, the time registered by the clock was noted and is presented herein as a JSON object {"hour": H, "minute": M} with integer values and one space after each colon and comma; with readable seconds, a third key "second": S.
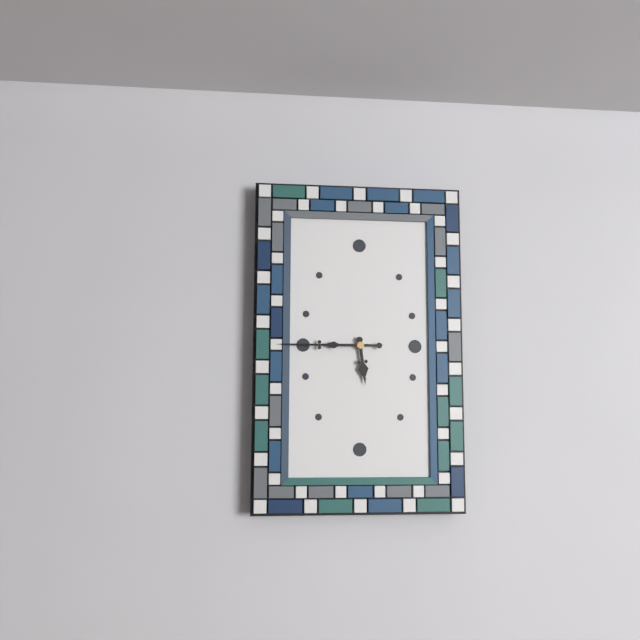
{"hour": 5, "minute": 45}
